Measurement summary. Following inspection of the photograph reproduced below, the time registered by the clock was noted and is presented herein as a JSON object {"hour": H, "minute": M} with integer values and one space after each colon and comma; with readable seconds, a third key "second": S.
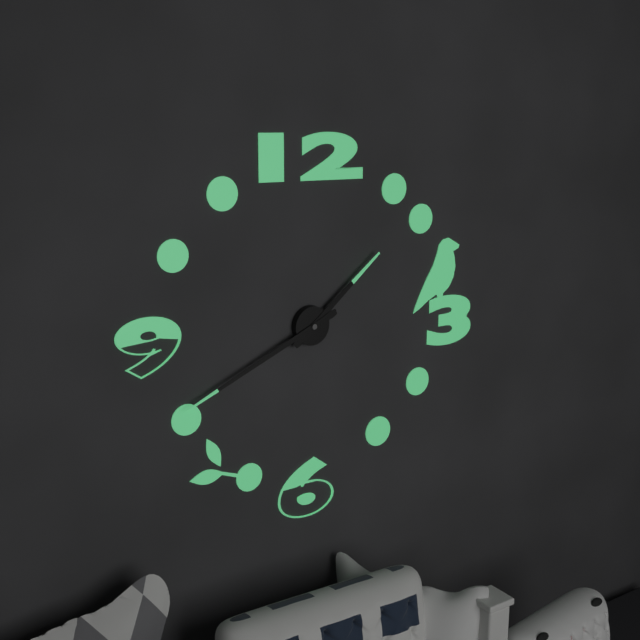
{"hour": 1, "minute": 41}
